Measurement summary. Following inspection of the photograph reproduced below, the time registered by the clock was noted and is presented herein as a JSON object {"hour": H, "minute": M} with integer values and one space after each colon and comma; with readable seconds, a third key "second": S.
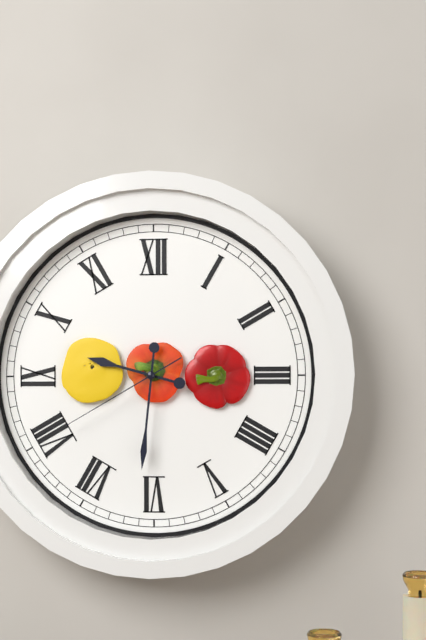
{"hour": 9, "minute": 31, "second": 40}
